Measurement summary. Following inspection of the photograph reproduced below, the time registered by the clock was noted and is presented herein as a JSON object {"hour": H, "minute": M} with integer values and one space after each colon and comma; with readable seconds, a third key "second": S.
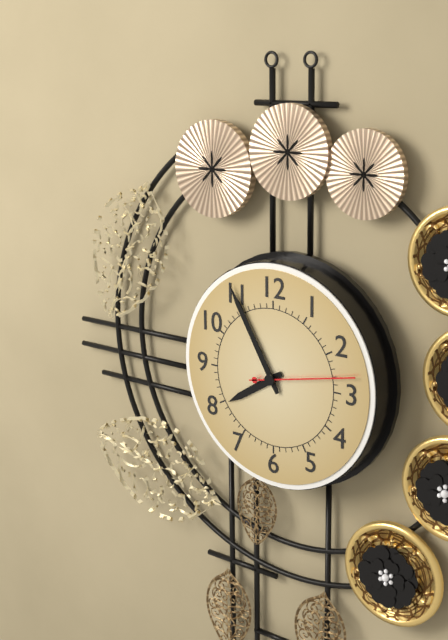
{"hour": 7, "minute": 55, "second": 13}
